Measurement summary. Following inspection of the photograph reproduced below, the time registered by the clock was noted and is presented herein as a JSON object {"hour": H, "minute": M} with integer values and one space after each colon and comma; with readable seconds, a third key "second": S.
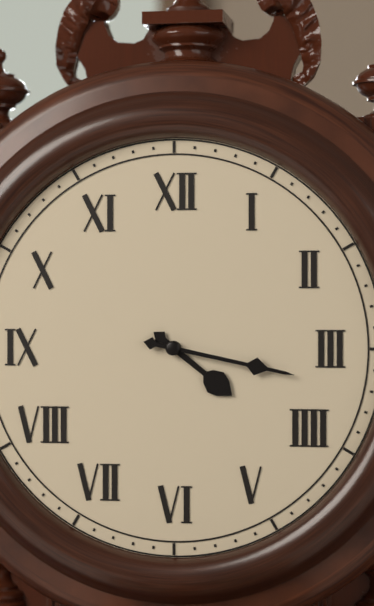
{"hour": 4, "minute": 17}
